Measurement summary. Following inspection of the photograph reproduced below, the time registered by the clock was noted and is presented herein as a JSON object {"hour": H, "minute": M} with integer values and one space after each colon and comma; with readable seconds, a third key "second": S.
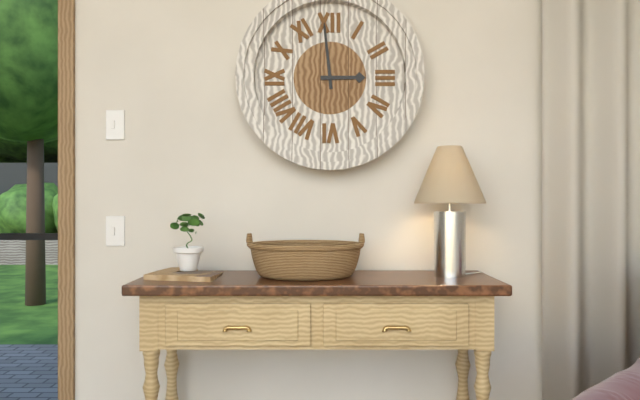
{"hour": 2, "minute": 59}
